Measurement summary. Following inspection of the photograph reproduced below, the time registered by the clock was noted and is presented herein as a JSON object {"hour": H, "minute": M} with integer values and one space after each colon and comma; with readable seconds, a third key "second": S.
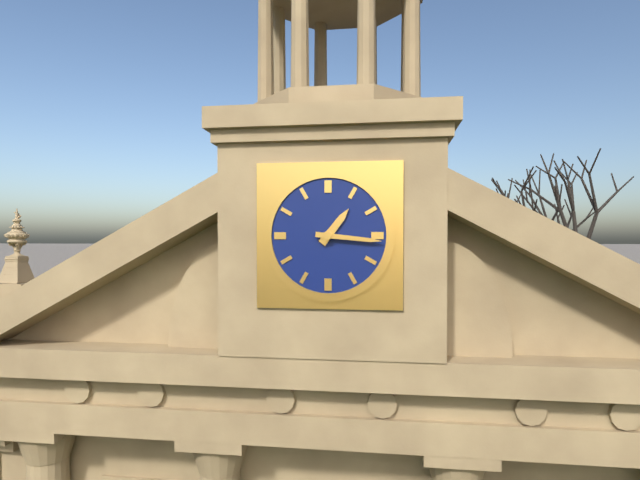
{"hour": 1, "minute": 16}
